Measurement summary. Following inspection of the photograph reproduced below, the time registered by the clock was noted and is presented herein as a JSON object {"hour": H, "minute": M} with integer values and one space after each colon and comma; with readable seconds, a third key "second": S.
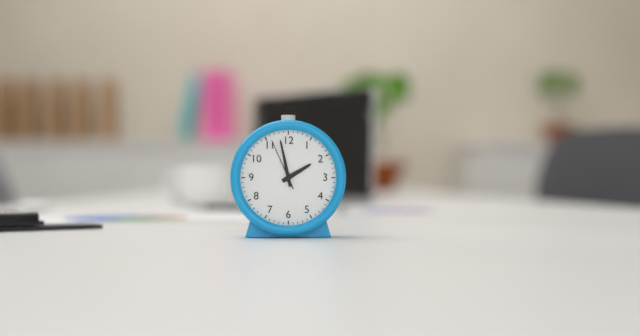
{"hour": 1, "minute": 58, "second": 56}
